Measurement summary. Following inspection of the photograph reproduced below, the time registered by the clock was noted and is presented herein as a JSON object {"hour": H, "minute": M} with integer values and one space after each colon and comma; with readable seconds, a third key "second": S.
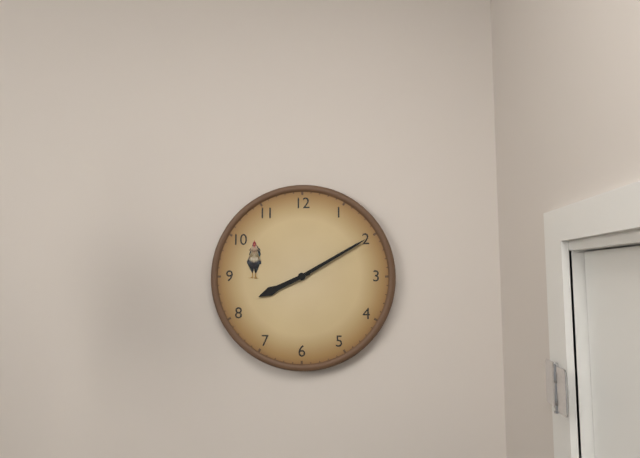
{"hour": 8, "minute": 10}
